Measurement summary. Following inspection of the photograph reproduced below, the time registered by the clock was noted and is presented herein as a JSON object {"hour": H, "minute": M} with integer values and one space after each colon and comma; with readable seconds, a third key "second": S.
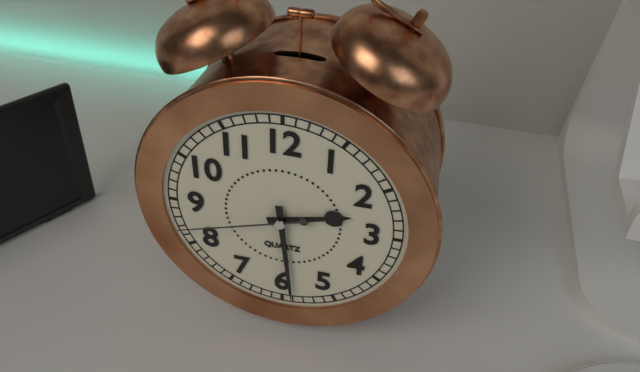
{"hour": 2, "minute": 29, "second": 42}
